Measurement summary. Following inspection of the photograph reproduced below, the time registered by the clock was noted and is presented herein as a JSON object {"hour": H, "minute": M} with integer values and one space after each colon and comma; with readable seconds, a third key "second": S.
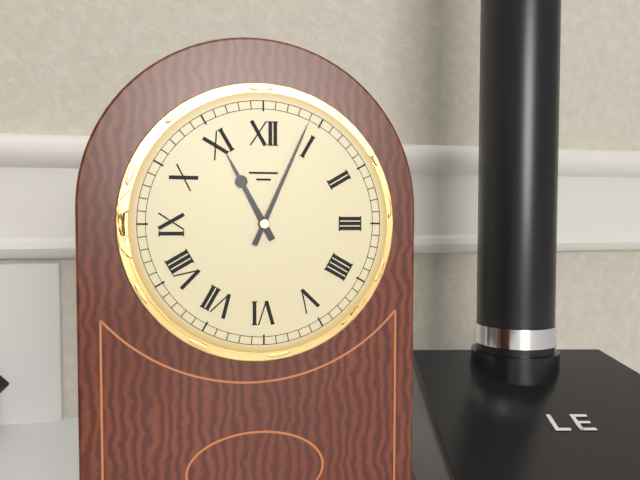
{"hour": 11, "minute": 4}
